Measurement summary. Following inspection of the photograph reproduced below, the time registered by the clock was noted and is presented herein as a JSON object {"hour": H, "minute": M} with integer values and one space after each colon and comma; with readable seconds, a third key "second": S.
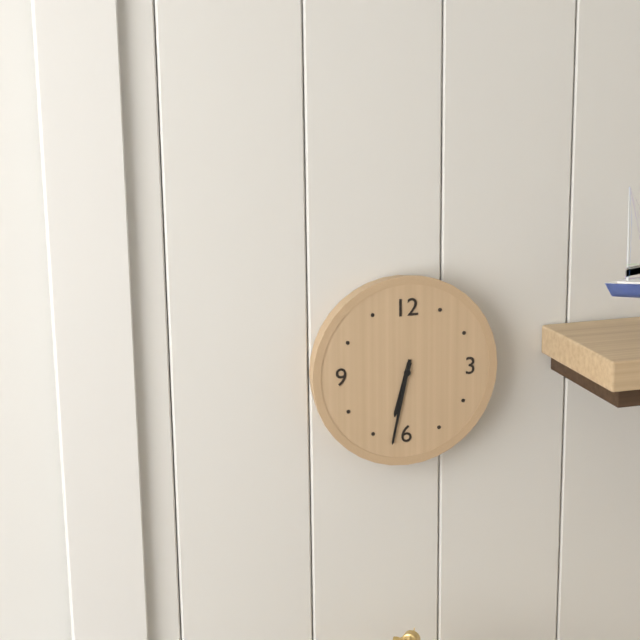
{"hour": 6, "minute": 32}
